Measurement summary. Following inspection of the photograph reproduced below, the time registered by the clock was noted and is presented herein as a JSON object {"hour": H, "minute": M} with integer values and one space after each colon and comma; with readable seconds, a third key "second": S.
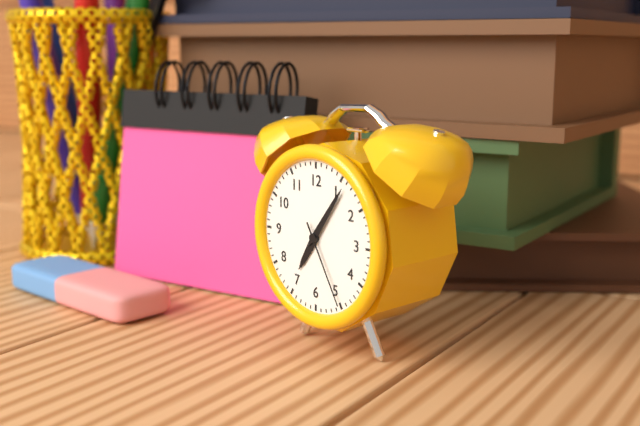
{"hour": 7, "minute": 6, "second": 25}
